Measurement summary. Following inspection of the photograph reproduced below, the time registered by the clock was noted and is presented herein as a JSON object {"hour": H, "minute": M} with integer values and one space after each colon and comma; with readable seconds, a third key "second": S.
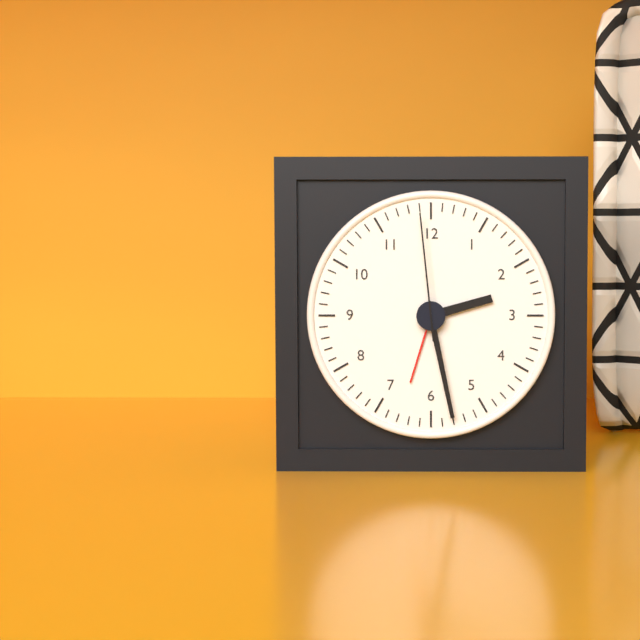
{"hour": 2, "minute": 28, "second": 59}
